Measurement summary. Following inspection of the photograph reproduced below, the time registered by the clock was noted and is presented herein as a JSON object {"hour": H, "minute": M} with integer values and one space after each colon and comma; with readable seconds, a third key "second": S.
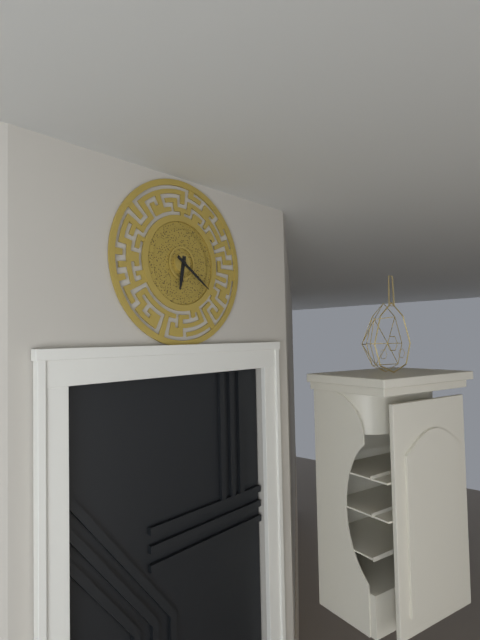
{"hour": 6, "minute": 21}
